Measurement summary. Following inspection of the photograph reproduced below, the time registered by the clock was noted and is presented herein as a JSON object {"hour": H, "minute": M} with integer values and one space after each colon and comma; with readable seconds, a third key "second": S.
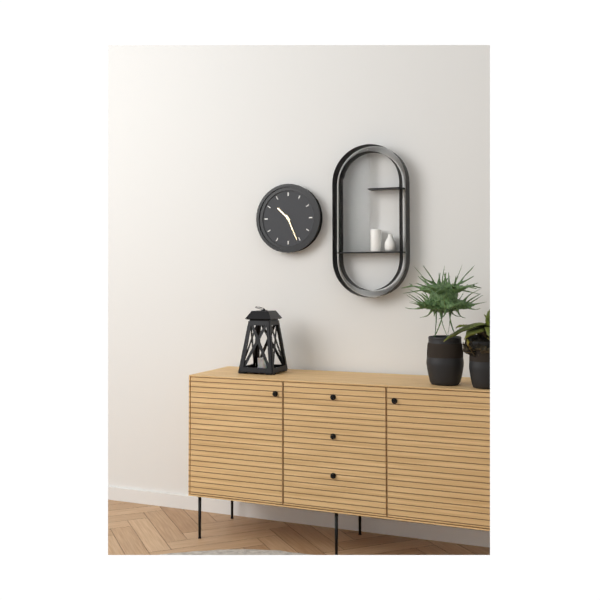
{"hour": 10, "minute": 26}
